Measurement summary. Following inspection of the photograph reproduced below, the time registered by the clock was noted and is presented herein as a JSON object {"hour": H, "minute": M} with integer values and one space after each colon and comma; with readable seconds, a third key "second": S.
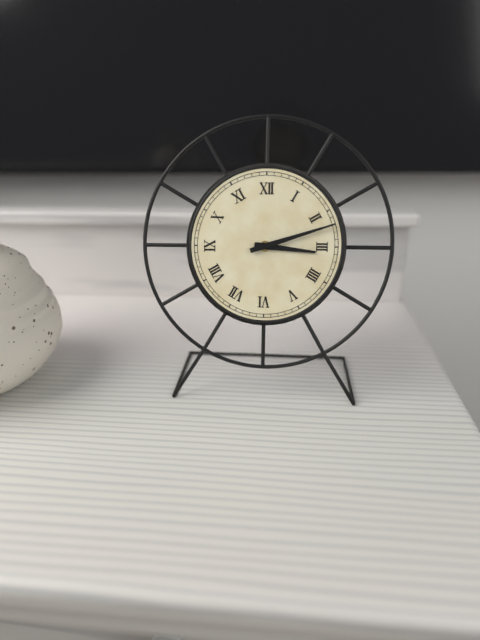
{"hour": 3, "minute": 12}
